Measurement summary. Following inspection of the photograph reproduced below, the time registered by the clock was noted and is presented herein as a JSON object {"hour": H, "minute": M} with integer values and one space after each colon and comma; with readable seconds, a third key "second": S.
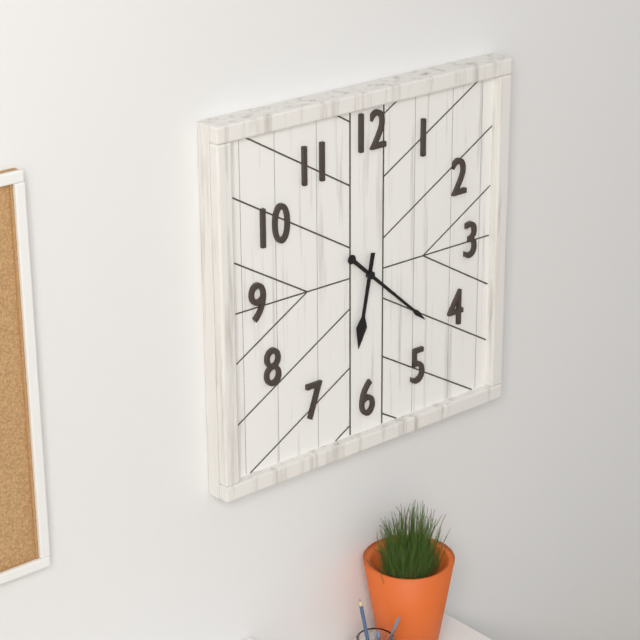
{"hour": 6, "minute": 22}
